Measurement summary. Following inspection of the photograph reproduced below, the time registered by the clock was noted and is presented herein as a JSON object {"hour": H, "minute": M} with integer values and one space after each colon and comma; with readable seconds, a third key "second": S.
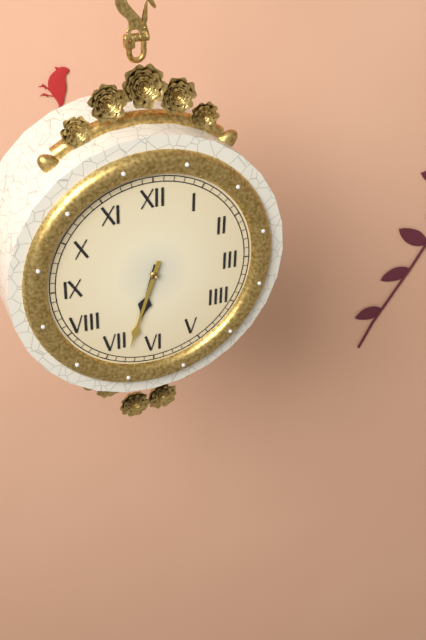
{"hour": 6, "minute": 33}
